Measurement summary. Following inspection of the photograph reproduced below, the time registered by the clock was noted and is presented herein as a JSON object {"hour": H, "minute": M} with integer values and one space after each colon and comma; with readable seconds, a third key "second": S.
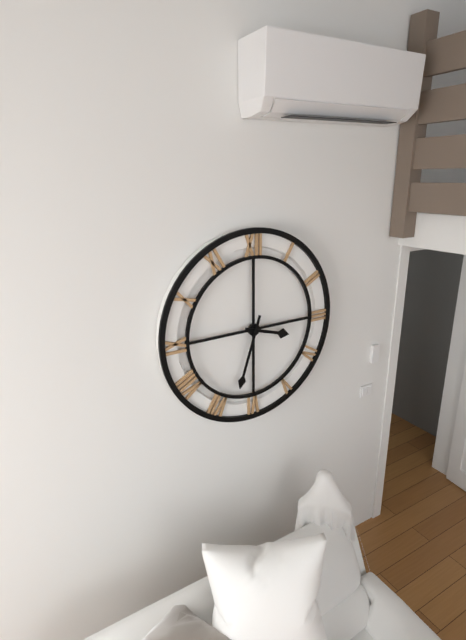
{"hour": 3, "minute": 33}
